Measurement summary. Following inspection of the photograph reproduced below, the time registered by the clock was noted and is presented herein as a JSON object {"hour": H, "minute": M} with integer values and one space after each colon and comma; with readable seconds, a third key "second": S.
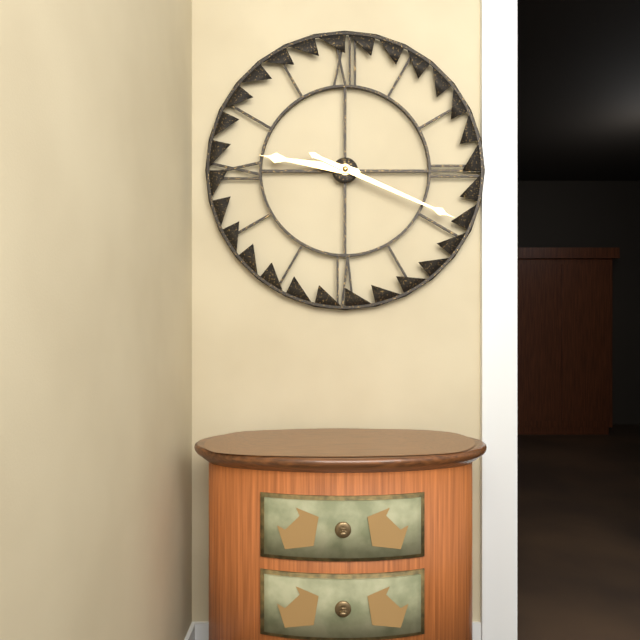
{"hour": 9, "minute": 19}
